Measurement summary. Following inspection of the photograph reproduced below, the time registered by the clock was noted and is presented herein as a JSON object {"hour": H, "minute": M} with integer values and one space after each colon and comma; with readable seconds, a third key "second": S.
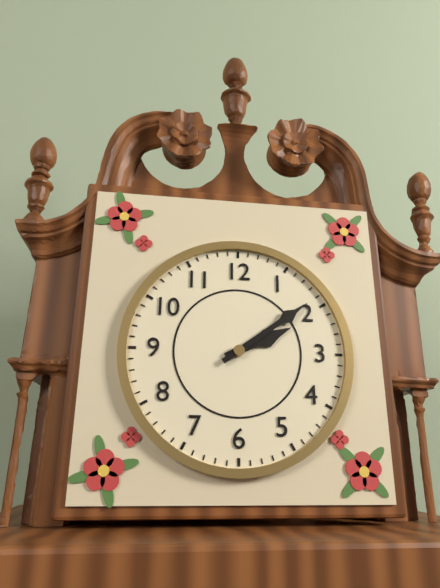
{"hour": 2, "minute": 9}
